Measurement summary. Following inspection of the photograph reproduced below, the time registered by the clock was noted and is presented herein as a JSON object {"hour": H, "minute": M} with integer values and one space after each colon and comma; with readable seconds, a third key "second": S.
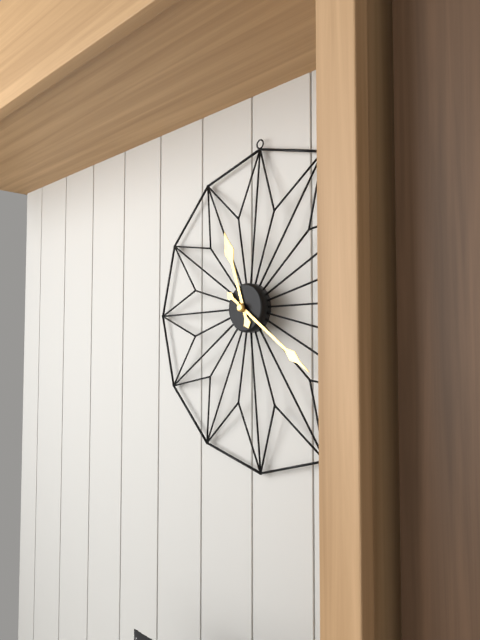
{"hour": 11, "minute": 21}
